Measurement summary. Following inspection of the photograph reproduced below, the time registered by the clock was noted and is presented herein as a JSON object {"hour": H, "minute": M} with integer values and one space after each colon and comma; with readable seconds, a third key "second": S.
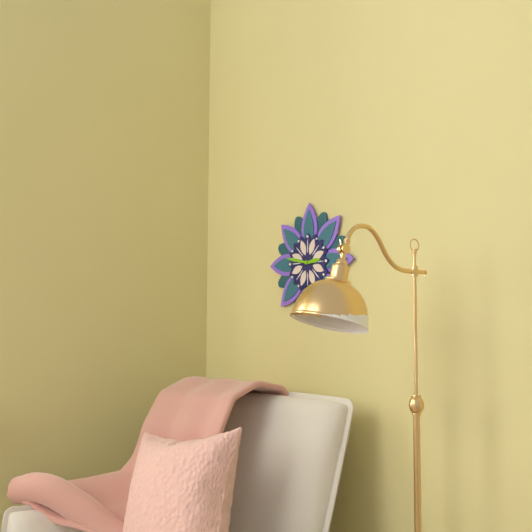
{"hour": 2, "minute": 47}
